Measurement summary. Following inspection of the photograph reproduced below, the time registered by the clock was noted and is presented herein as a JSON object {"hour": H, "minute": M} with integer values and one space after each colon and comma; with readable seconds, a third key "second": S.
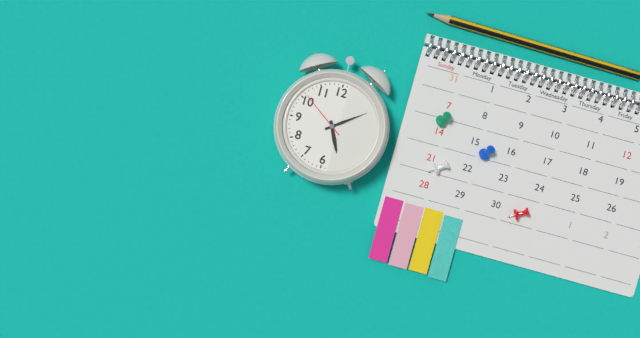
{"hour": 5, "minute": 9}
